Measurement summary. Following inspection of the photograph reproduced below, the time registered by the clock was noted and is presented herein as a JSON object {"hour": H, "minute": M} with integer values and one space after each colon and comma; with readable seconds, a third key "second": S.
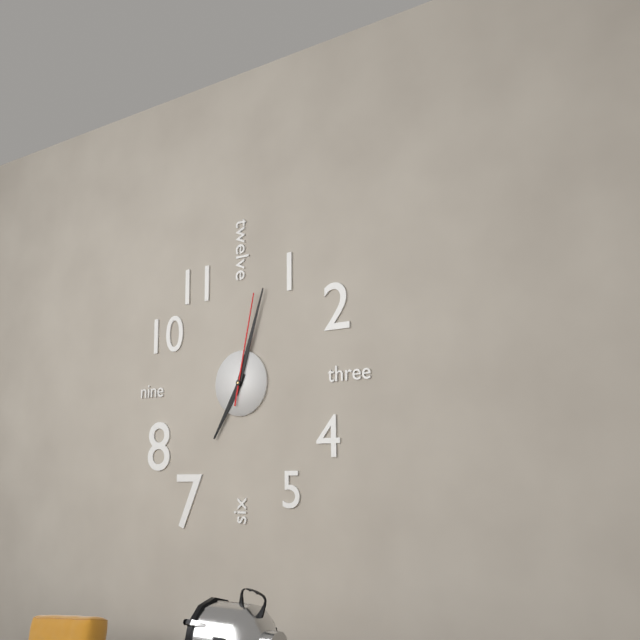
{"hour": 7, "minute": 3, "second": 2}
